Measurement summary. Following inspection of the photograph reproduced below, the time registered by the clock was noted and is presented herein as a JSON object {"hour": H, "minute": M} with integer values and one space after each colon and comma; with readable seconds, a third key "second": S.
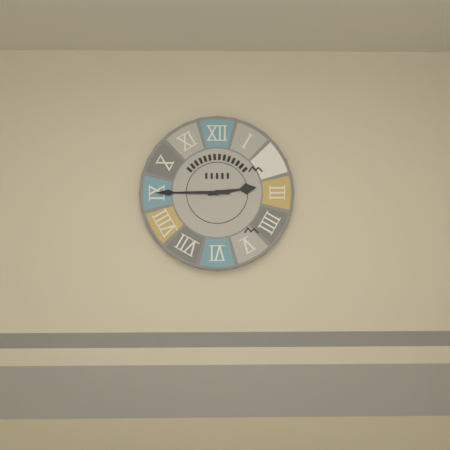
{"hour": 2, "minute": 45}
